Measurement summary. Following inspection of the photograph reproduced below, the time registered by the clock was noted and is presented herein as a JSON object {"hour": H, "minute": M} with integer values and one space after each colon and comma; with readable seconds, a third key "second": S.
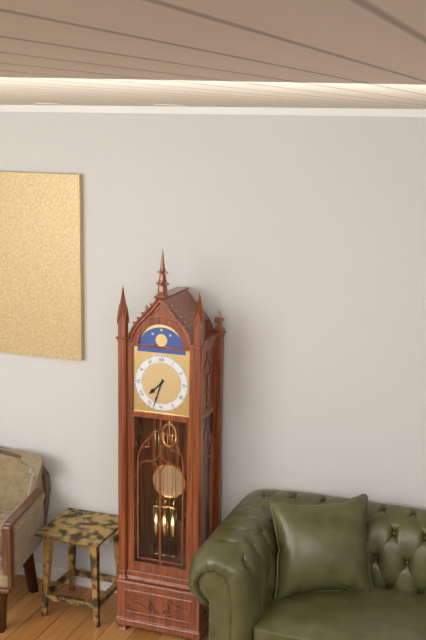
{"hour": 7, "minute": 33}
